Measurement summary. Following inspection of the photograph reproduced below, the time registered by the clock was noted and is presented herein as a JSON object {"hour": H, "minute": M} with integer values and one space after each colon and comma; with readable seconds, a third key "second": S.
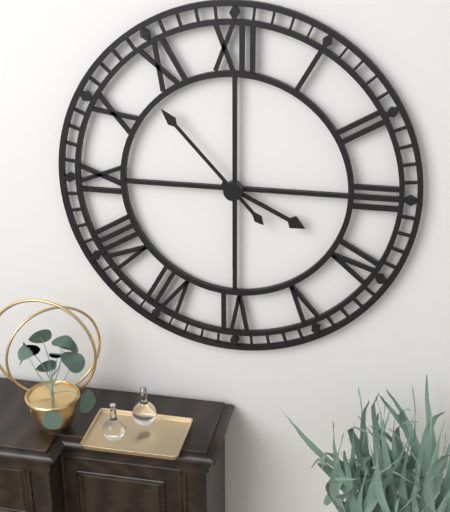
{"hour": 3, "minute": 53}
